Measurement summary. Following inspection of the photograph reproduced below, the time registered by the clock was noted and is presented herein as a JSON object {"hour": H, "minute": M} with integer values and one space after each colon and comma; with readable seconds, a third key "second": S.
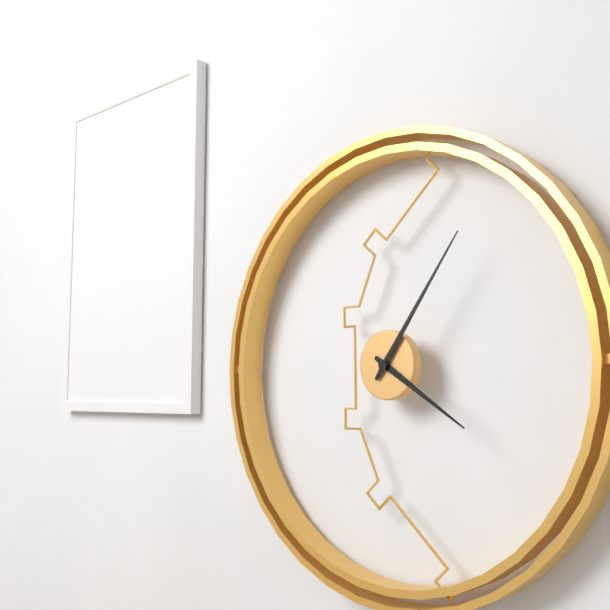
{"hour": 4, "minute": 6}
